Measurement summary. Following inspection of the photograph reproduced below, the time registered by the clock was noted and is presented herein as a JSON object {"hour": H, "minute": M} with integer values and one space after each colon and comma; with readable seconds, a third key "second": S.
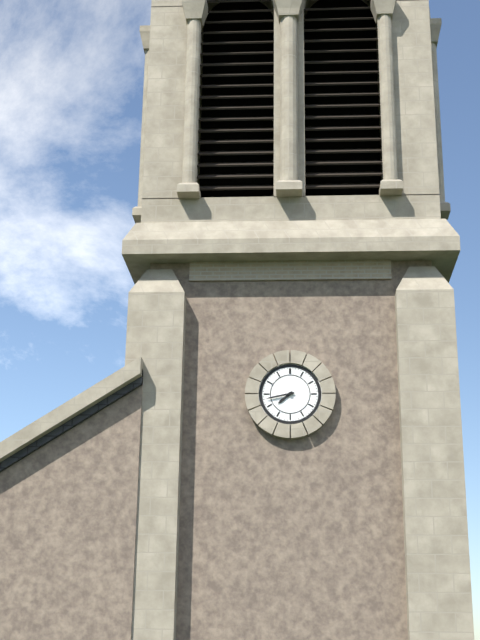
{"hour": 7, "minute": 43}
